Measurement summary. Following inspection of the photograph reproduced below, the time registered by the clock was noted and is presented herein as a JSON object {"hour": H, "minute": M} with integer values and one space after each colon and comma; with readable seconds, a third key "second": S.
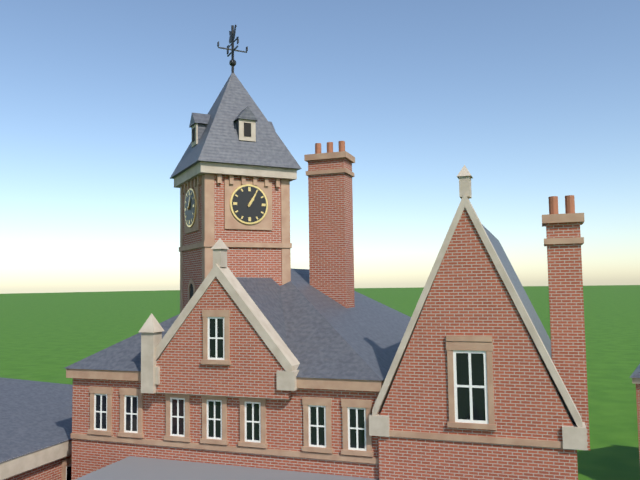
{"hour": 1, "minute": 5}
